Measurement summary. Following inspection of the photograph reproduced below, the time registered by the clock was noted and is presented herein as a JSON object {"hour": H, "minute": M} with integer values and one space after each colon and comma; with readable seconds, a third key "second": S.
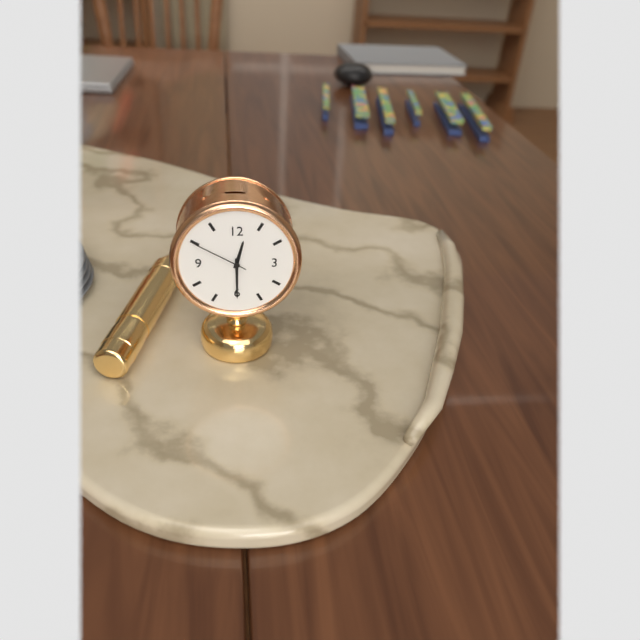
{"hour": 12, "minute": 30, "second": 50}
